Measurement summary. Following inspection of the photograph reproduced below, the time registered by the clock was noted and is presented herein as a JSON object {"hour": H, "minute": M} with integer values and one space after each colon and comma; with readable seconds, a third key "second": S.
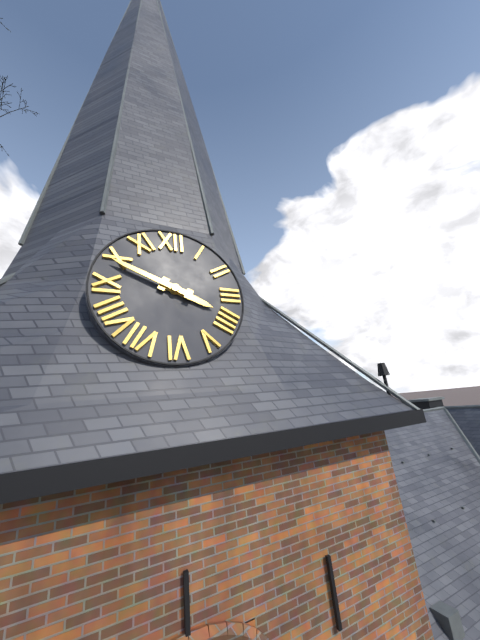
{"hour": 3, "minute": 49}
